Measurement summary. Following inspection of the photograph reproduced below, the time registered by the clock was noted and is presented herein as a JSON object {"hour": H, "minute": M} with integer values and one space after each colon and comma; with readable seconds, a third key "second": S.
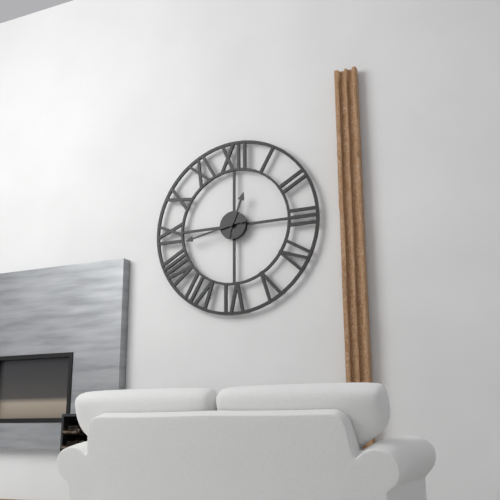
{"hour": 12, "minute": 43}
